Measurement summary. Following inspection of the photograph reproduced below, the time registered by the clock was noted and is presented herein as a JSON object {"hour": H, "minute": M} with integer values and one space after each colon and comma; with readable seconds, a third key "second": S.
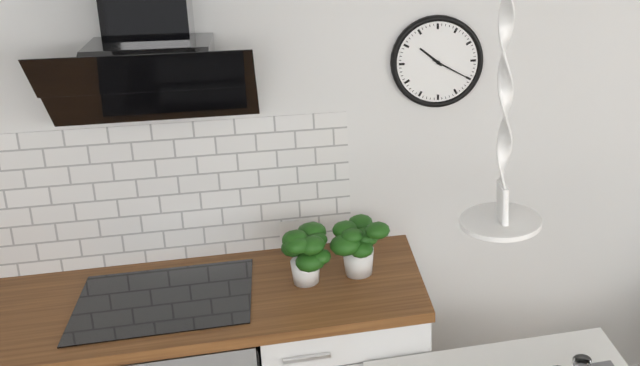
{"hour": 10, "minute": 20}
